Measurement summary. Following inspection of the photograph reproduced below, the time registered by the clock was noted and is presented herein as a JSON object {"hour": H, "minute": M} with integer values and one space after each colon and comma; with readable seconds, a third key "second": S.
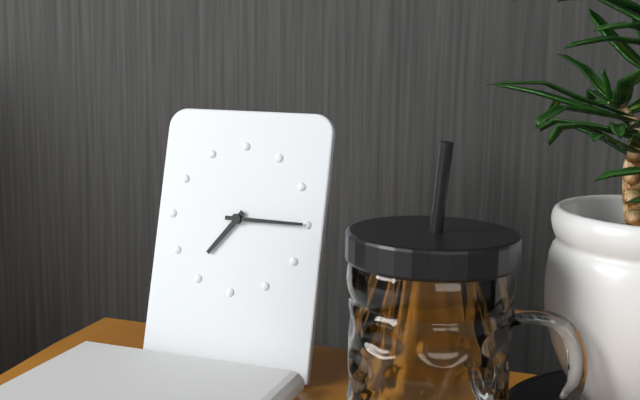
{"hour": 7, "minute": 15}
